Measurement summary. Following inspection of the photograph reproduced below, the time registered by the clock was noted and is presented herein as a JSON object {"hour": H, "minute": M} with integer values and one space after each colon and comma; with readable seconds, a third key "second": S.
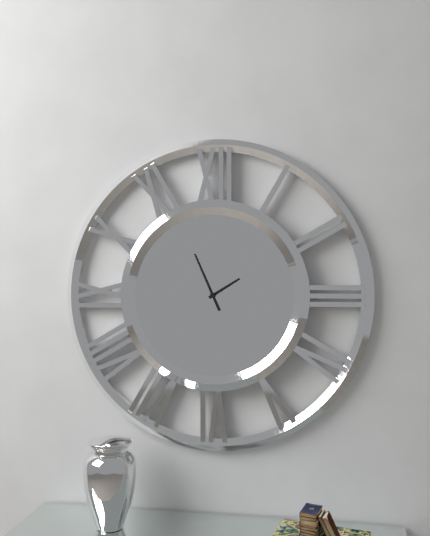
{"hour": 1, "minute": 56}
